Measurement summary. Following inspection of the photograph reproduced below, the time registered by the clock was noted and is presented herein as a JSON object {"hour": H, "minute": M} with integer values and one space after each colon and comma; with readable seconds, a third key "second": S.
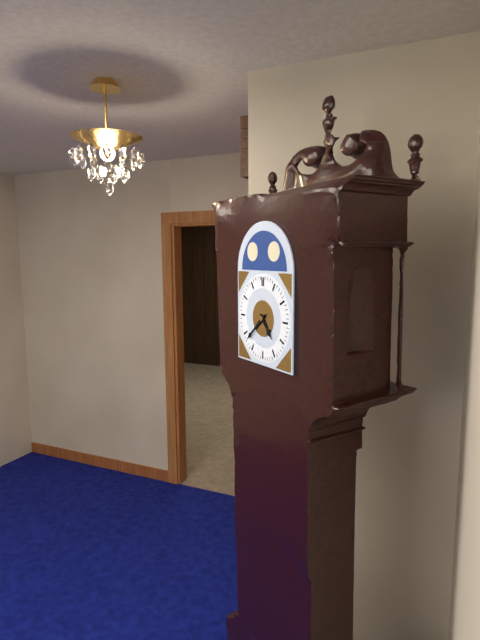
{"hour": 4, "minute": 38}
